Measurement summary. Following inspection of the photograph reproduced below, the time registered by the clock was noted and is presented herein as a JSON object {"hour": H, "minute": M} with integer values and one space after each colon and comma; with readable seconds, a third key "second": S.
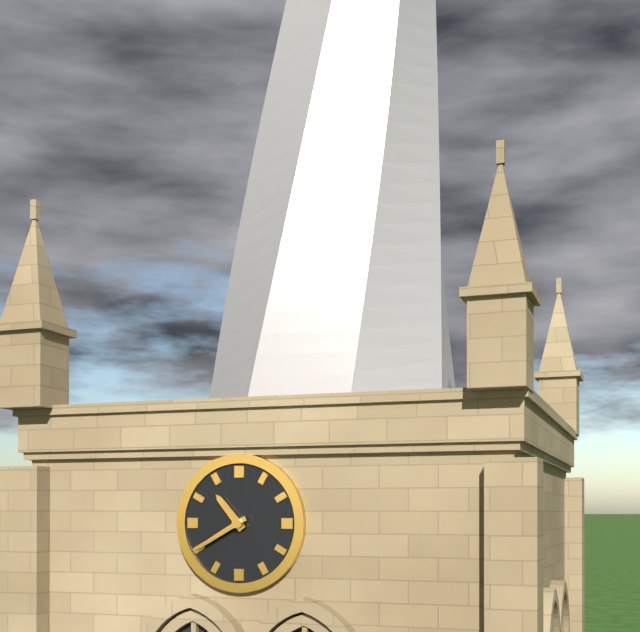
{"hour": 10, "minute": 40}
